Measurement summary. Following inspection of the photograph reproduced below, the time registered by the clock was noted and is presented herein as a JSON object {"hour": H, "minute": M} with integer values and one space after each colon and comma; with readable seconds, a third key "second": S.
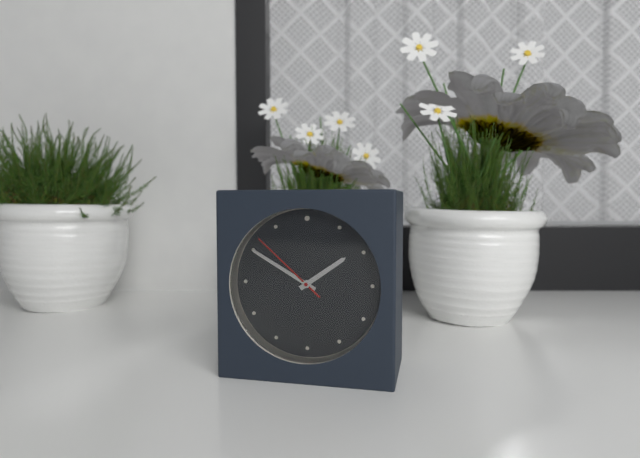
{"hour": 1, "minute": 50, "second": 52}
